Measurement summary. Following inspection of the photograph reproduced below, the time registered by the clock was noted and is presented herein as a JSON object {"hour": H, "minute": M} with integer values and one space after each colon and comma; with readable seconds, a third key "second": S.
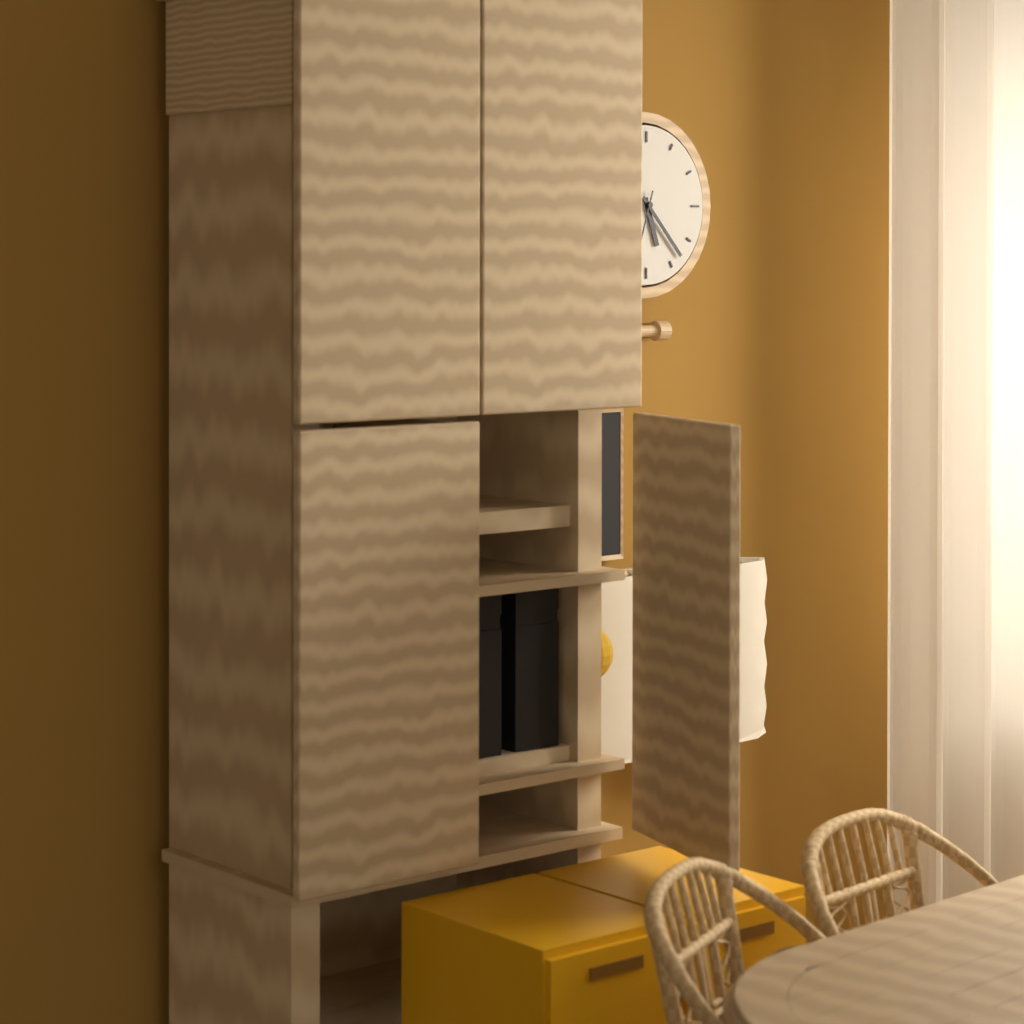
{"hour": 5, "minute": 23}
